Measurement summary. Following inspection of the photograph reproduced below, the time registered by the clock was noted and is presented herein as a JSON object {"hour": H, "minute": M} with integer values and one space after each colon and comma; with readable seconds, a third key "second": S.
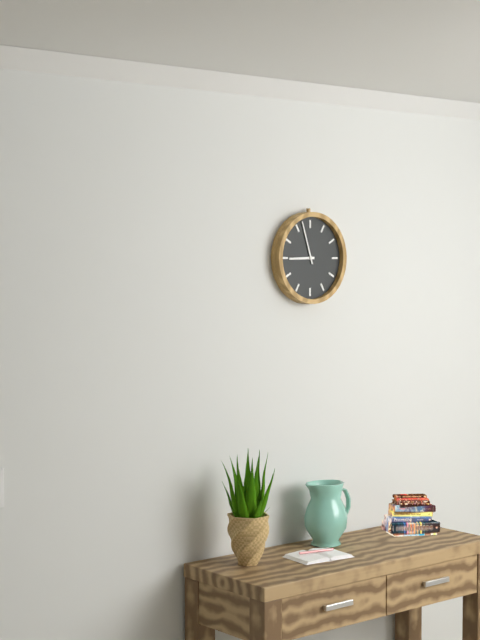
{"hour": 8, "minute": 57}
